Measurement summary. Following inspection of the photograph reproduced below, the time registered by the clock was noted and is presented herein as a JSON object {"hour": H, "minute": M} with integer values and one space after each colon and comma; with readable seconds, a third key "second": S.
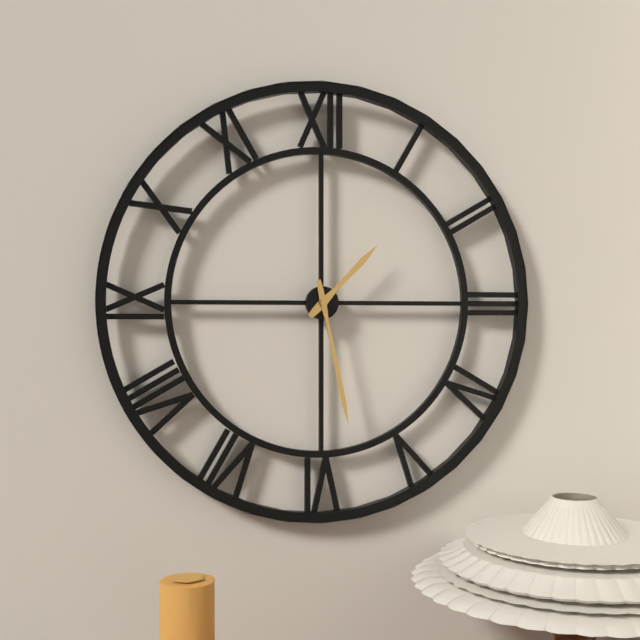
{"hour": 1, "minute": 28}
